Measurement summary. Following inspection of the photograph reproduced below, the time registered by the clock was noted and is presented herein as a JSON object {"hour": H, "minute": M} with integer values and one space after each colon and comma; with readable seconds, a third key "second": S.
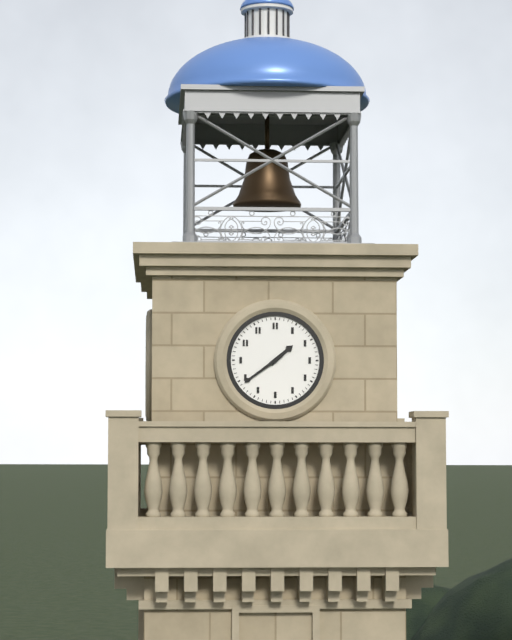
{"hour": 1, "minute": 39}
